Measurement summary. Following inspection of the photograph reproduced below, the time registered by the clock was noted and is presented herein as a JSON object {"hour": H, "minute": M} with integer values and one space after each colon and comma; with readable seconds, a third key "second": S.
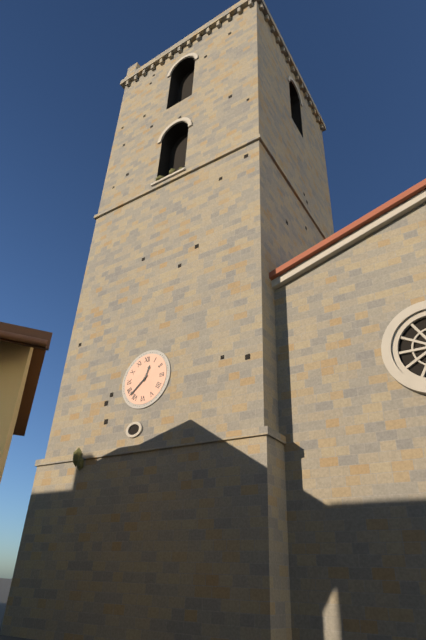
{"hour": 12, "minute": 38}
